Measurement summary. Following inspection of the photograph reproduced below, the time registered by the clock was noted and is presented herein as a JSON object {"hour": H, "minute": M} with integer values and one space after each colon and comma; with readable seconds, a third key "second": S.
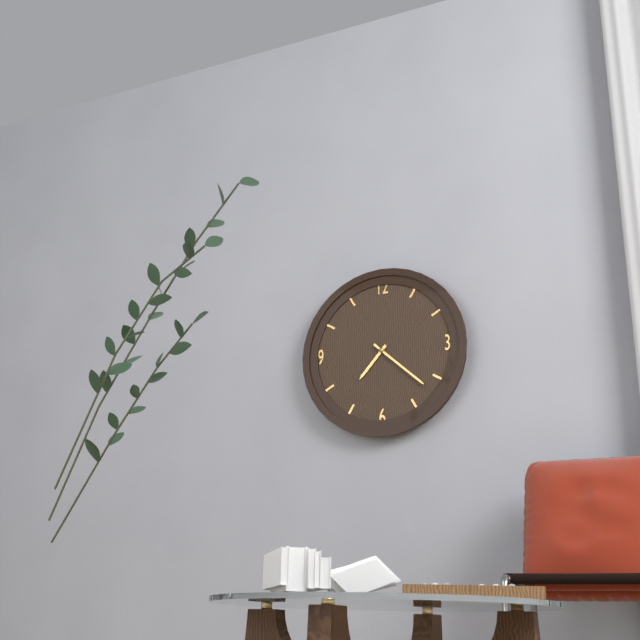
{"hour": 7, "minute": 22}
